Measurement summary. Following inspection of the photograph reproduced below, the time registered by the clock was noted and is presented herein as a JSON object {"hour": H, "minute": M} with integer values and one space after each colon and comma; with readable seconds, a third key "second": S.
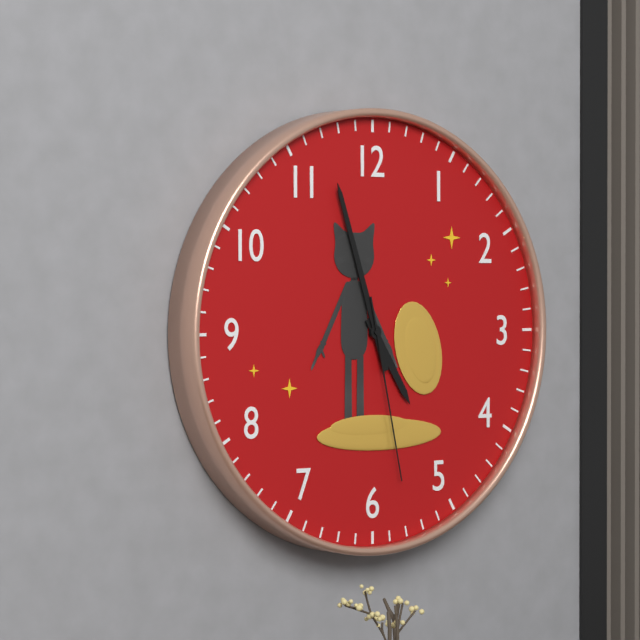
{"hour": 4, "minute": 57, "second": 28}
